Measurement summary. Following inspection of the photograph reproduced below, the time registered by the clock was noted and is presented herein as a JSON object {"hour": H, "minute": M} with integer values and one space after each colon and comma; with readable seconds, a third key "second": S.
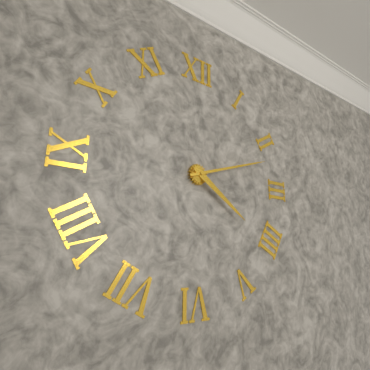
{"hour": 4, "minute": 12}
